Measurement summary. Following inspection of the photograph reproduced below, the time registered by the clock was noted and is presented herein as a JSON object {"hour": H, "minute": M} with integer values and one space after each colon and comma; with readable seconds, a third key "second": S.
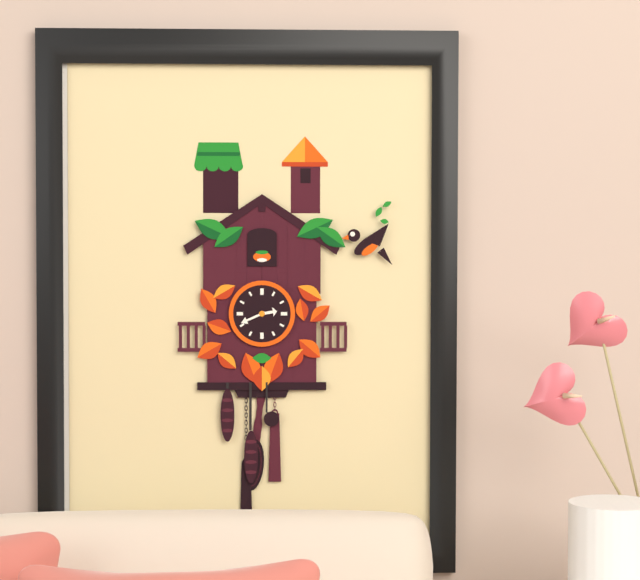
{"hour": 2, "minute": 41}
